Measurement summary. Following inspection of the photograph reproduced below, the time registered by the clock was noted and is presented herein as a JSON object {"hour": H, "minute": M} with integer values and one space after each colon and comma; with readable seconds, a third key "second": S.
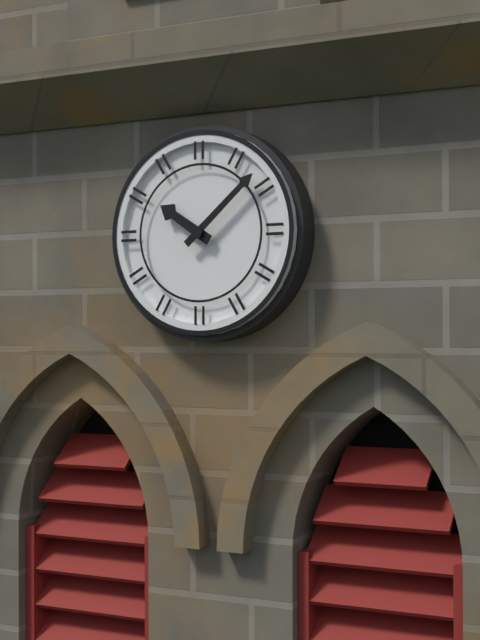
{"hour": 10, "minute": 8}
